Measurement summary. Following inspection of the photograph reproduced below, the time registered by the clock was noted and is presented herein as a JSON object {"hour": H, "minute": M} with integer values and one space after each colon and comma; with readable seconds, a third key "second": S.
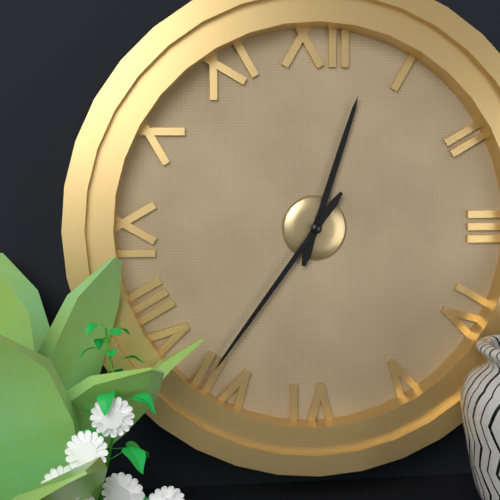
{"hour": 12, "minute": 36}
